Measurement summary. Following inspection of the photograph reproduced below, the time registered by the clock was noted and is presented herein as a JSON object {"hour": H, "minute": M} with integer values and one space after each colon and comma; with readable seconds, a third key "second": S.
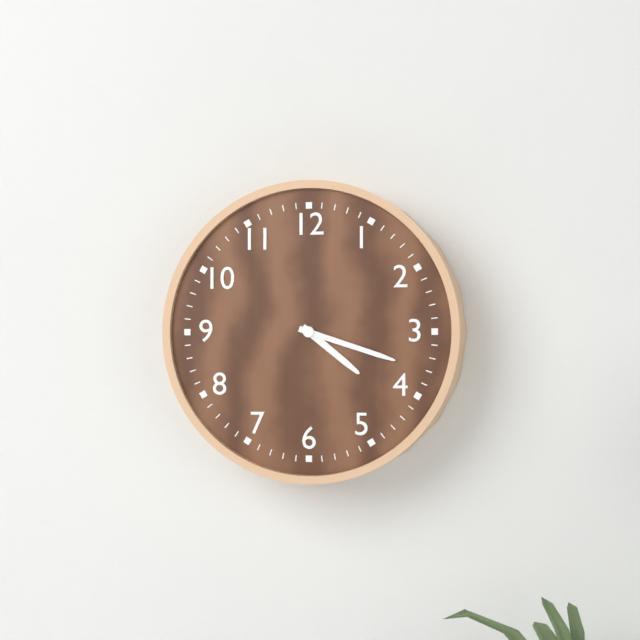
{"hour": 4, "minute": 18}
